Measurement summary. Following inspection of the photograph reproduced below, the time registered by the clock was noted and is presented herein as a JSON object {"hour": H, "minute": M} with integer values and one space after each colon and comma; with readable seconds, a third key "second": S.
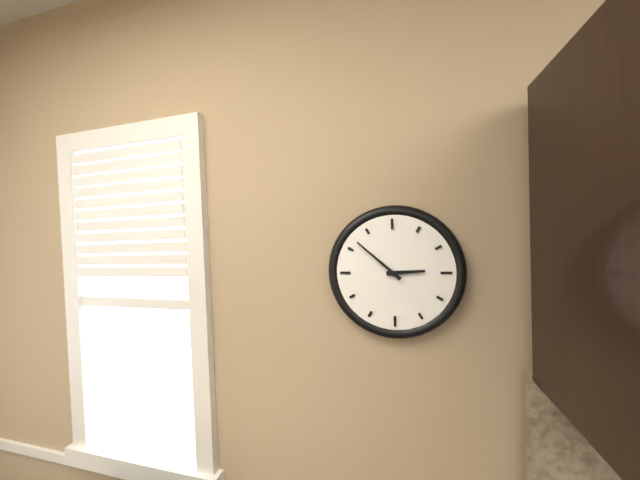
{"hour": 2, "minute": 52}
